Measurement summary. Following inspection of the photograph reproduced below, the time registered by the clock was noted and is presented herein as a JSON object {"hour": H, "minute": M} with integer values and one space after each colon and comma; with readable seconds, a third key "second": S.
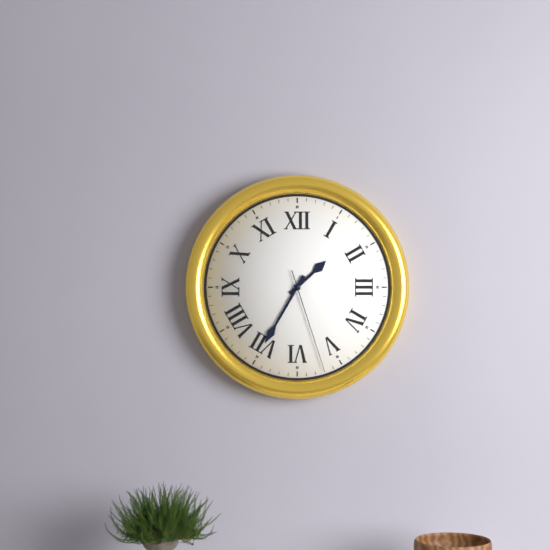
{"hour": 1, "minute": 35, "second": 27}
